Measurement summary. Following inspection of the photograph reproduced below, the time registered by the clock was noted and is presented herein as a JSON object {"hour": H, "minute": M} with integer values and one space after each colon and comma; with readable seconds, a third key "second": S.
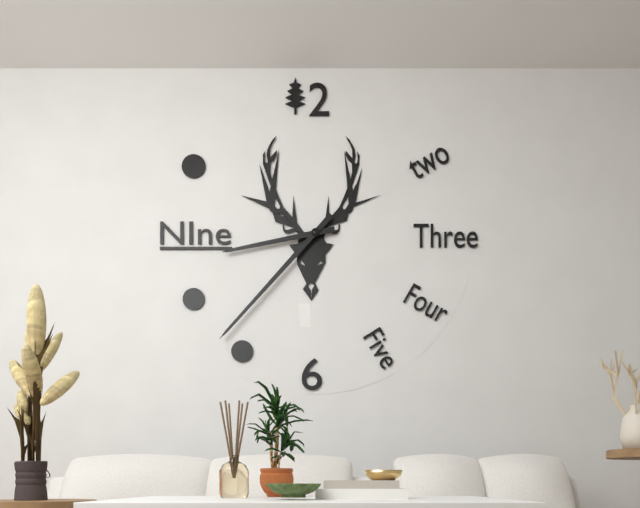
{"hour": 8, "minute": 37}
